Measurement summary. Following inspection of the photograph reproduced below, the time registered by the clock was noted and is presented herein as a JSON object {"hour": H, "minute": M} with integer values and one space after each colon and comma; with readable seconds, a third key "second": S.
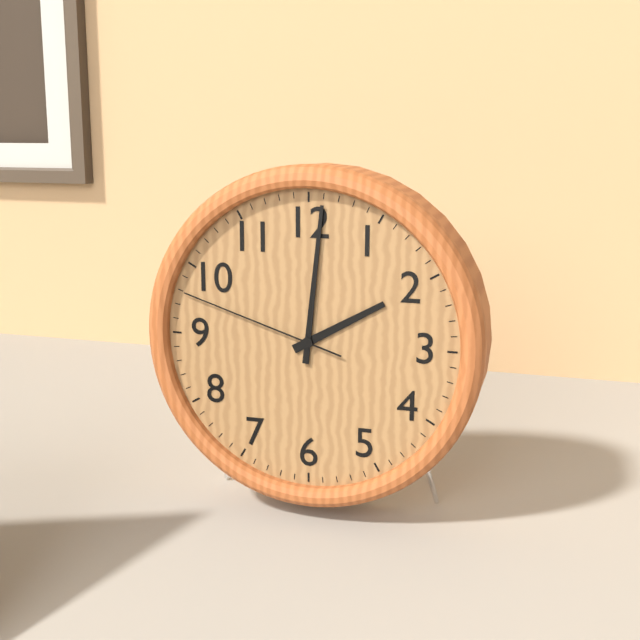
{"hour": 2, "minute": 1, "second": 48}
